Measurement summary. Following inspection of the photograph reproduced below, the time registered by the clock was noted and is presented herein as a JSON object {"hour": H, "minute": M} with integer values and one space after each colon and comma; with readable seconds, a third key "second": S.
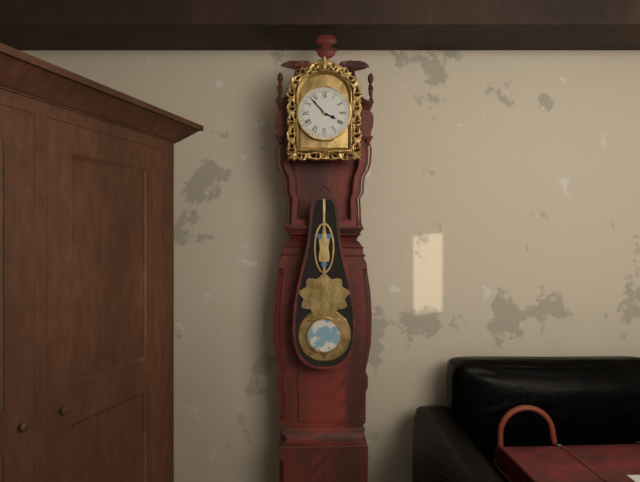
{"hour": 3, "minute": 53}
